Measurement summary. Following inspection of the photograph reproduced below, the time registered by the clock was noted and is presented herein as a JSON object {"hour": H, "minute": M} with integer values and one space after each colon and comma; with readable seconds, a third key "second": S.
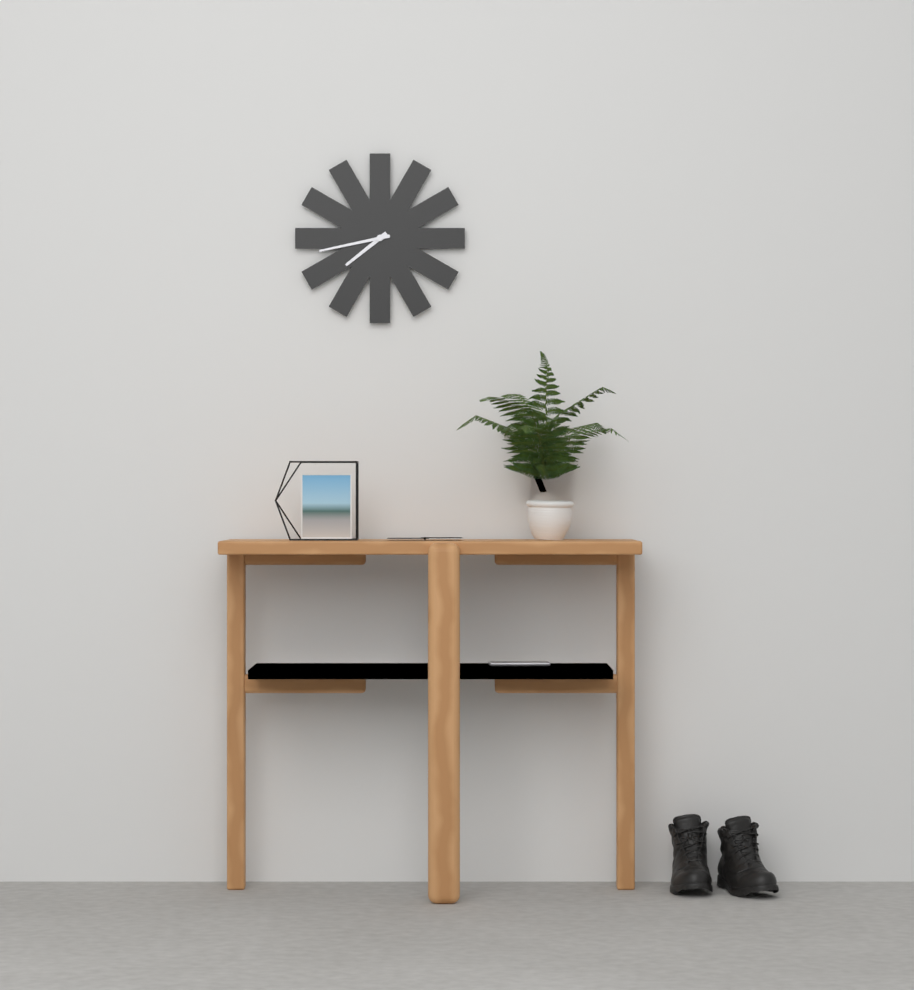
{"hour": 7, "minute": 43}
